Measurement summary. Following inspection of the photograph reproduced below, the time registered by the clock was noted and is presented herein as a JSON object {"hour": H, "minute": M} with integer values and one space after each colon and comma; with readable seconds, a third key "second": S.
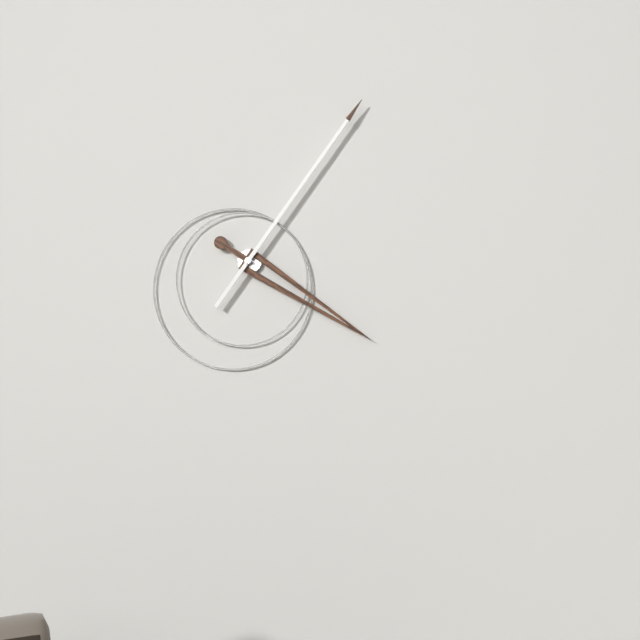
{"hour": 4, "minute": 6}
